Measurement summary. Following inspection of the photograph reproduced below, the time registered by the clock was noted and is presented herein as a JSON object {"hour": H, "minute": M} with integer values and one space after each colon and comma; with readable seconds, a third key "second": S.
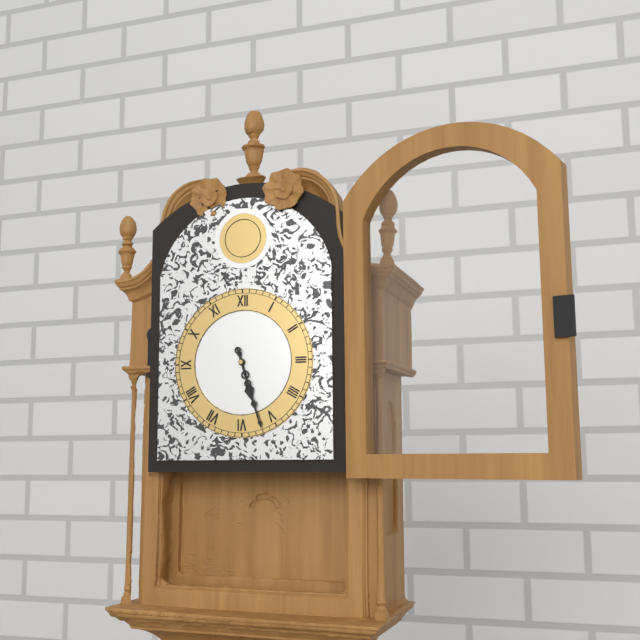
{"hour": 5, "minute": 27}
